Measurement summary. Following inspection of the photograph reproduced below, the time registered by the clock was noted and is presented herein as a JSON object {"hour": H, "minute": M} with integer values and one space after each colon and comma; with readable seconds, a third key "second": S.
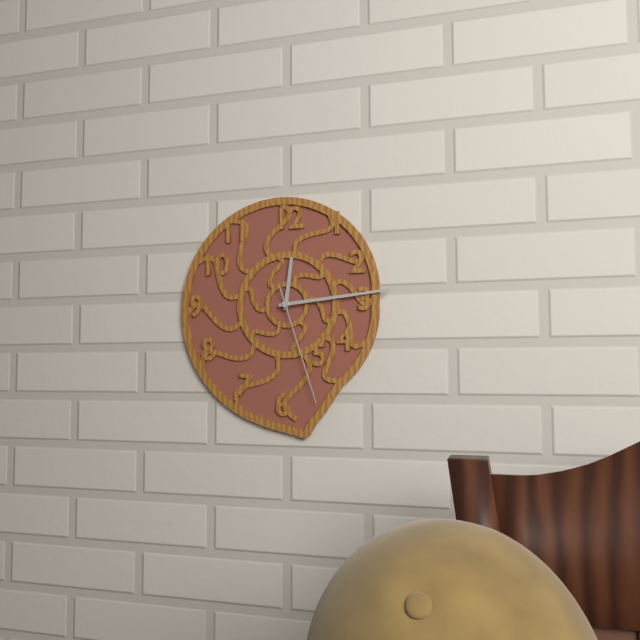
{"hour": 12, "minute": 14, "second": 27}
